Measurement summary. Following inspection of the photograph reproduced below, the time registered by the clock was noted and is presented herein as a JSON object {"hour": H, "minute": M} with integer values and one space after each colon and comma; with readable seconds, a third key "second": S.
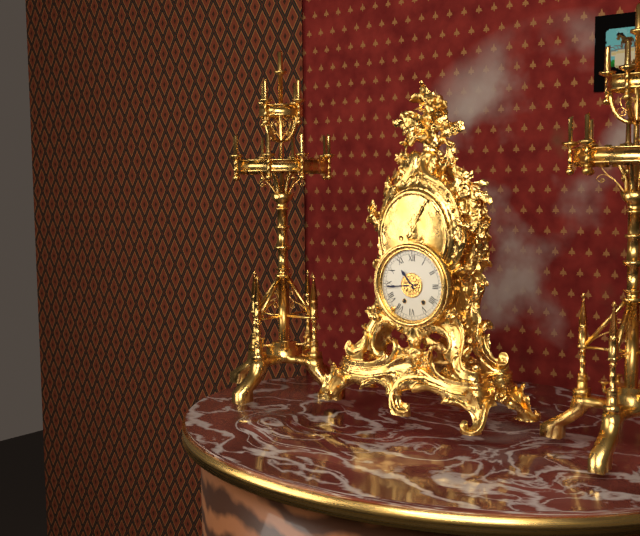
{"hour": 10, "minute": 44}
